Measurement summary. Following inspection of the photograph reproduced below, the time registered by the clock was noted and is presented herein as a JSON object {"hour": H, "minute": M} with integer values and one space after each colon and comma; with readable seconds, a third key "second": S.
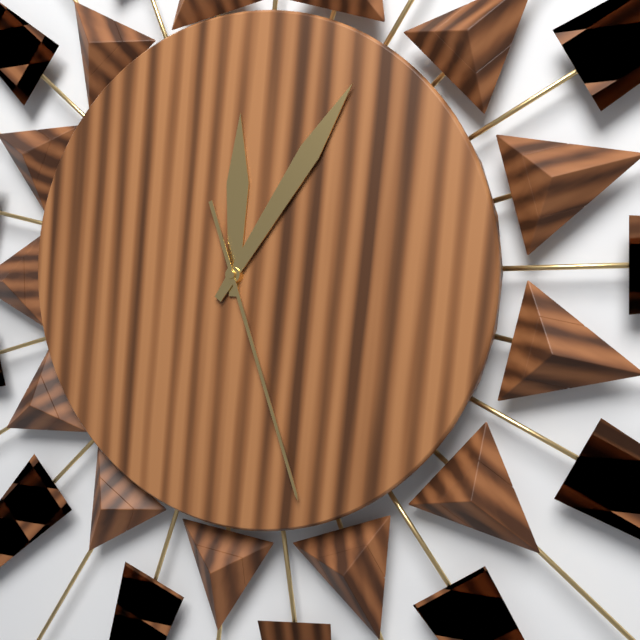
{"hour": 12, "minute": 6, "second": 27}
